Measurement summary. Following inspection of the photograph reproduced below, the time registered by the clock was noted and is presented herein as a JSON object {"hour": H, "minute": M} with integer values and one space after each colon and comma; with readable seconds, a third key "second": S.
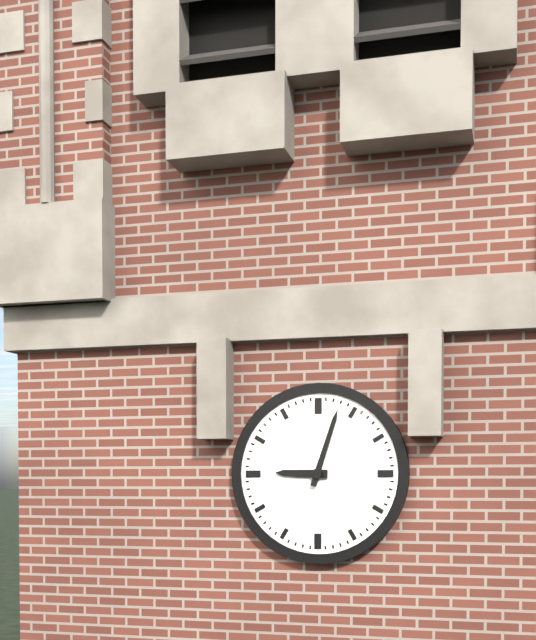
{"hour": 9, "minute": 3}
